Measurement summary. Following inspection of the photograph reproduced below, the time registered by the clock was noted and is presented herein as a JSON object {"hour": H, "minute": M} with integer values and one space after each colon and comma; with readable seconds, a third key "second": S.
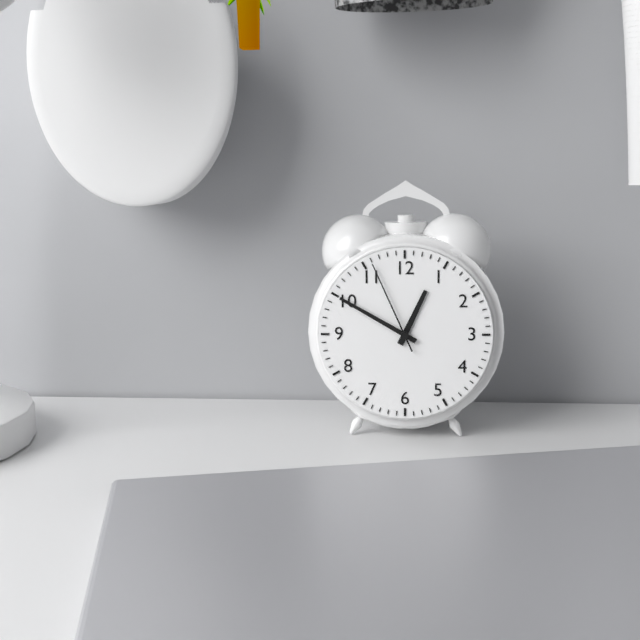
{"hour": 12, "minute": 50, "second": 56}
